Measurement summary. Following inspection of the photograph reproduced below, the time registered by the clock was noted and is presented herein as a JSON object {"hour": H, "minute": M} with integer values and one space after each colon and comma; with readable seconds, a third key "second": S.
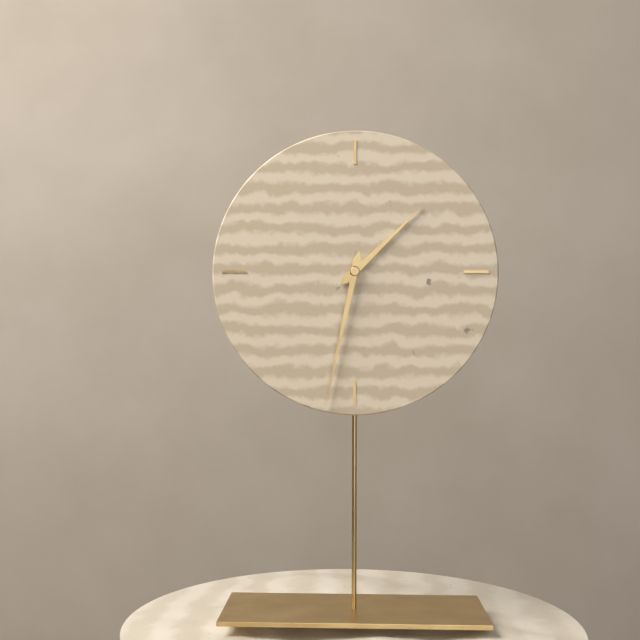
{"hour": 1, "minute": 32}
